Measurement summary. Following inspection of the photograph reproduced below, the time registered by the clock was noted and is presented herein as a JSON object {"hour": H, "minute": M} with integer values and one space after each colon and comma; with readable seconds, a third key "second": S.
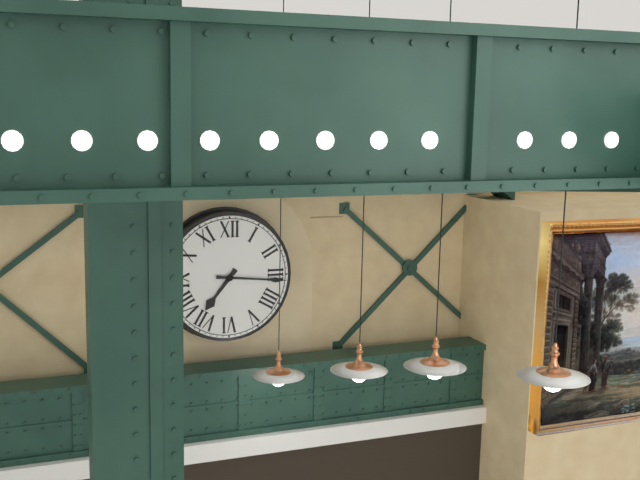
{"hour": 7, "minute": 16}
